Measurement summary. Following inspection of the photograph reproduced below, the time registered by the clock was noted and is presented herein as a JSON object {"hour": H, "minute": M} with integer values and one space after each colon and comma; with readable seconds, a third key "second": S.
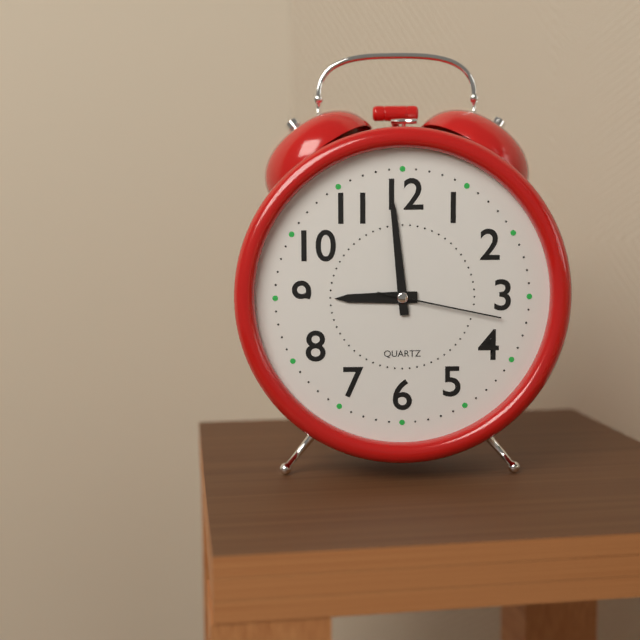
{"hour": 8, "minute": 59, "second": 17}
